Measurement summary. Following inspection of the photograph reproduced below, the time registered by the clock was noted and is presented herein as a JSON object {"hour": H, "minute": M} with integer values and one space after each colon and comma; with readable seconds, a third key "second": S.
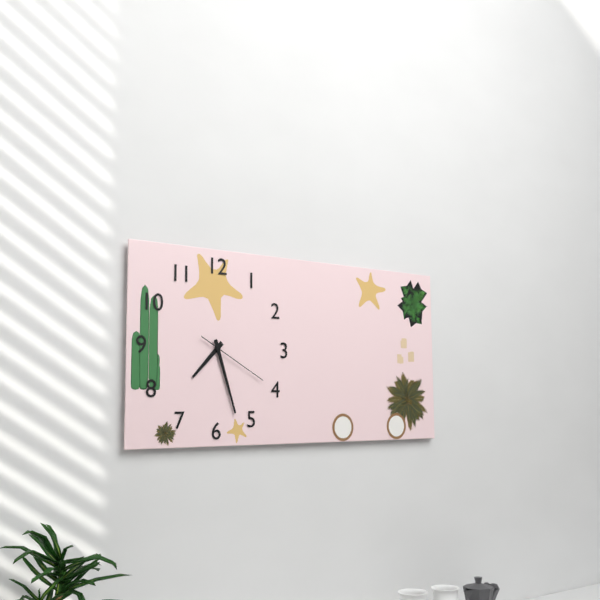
{"hour": 7, "minute": 27, "second": 20}
